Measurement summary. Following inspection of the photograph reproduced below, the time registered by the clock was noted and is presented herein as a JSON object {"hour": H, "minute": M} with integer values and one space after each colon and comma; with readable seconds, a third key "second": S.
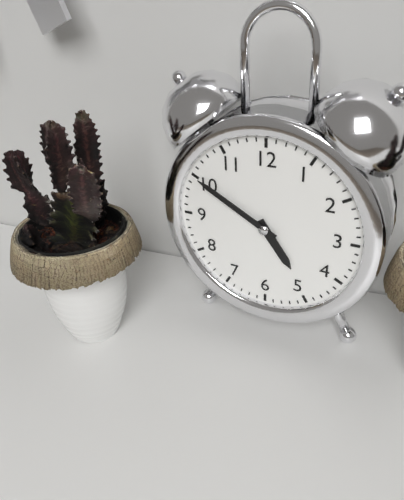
{"hour": 4, "minute": 50}
